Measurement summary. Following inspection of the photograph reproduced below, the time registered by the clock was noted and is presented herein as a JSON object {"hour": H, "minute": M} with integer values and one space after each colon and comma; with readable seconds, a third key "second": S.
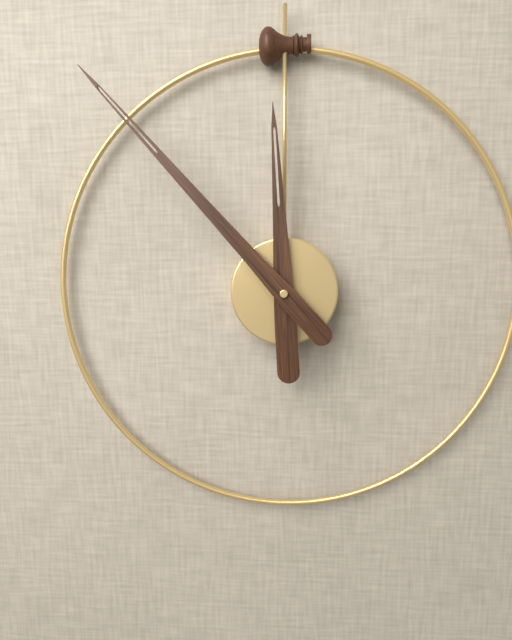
{"hour": 11, "minute": 53}
